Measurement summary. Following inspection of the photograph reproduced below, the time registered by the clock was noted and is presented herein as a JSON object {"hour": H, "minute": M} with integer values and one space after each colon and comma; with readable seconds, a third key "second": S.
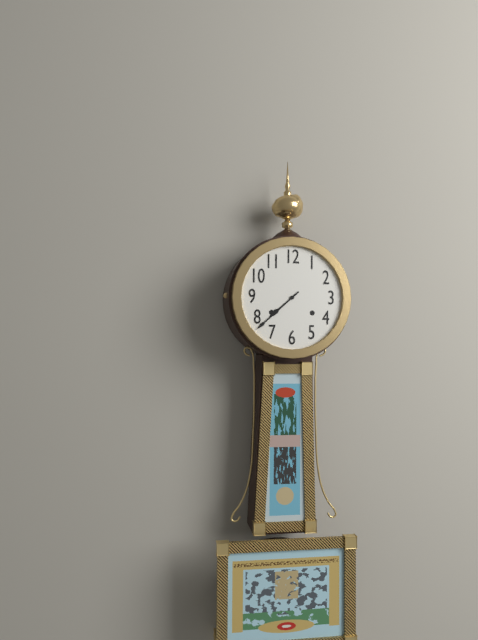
{"hour": 7, "minute": 38}
